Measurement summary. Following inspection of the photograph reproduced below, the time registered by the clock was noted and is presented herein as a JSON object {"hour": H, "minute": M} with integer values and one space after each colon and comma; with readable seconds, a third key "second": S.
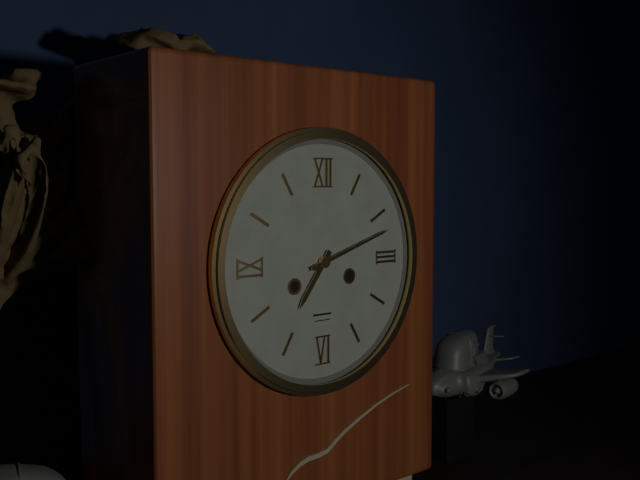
{"hour": 7, "minute": 12}
